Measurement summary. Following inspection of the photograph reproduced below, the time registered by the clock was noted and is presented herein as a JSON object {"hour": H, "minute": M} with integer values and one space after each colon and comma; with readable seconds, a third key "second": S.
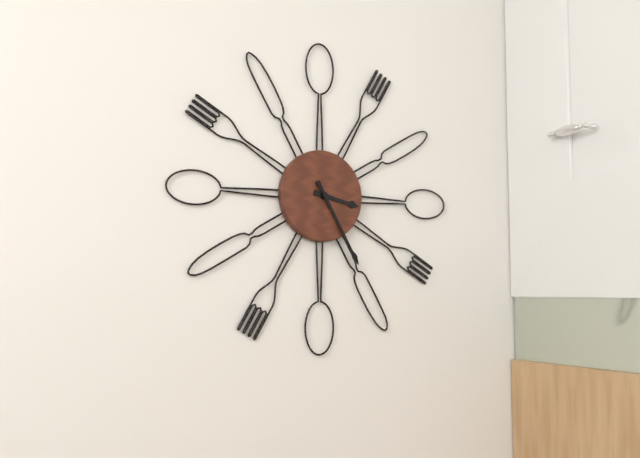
{"hour": 3, "minute": 25}
